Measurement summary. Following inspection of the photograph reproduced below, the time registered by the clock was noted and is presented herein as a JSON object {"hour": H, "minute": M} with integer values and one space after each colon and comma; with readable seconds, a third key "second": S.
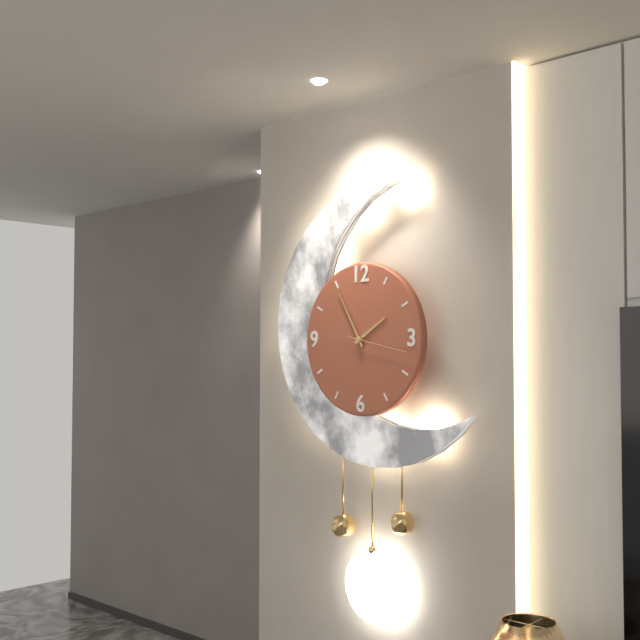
{"hour": 1, "minute": 55, "second": 17}
